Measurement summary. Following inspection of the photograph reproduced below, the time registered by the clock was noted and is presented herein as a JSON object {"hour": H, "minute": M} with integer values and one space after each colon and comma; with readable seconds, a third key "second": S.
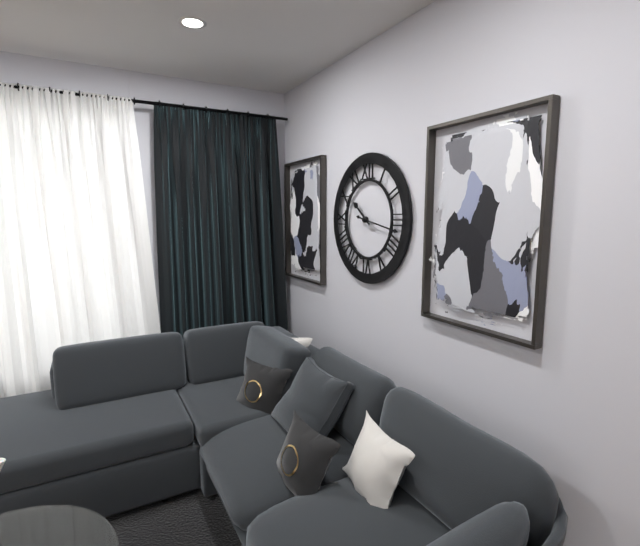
{"hour": 10, "minute": 17}
